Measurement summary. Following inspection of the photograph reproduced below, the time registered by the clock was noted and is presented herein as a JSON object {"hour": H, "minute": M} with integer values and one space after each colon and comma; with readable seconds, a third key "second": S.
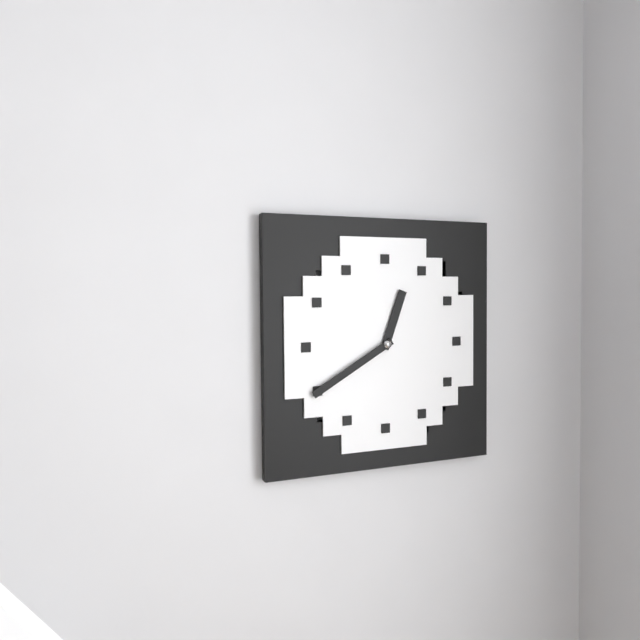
{"hour": 12, "minute": 40}
